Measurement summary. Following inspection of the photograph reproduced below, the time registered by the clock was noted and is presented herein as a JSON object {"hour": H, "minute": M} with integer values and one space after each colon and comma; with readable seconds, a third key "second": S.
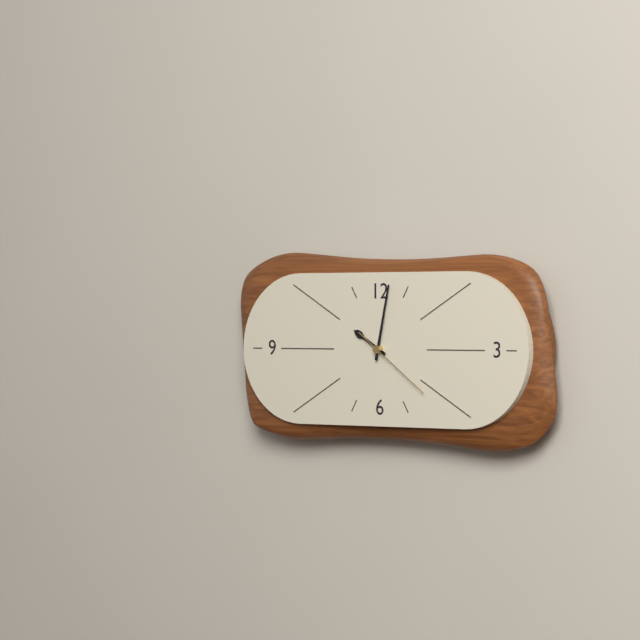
{"hour": 10, "minute": 2, "second": 21}
